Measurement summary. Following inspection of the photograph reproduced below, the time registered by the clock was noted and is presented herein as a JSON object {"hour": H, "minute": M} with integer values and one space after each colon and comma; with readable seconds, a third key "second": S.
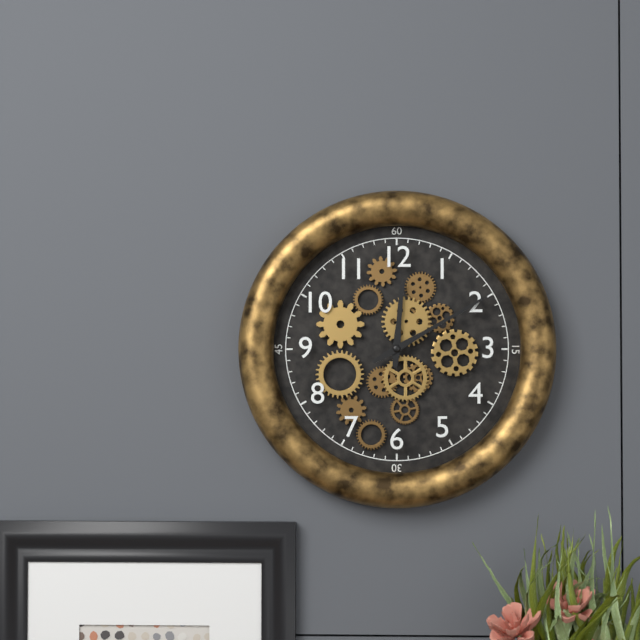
{"hour": 12, "minute": 10}
